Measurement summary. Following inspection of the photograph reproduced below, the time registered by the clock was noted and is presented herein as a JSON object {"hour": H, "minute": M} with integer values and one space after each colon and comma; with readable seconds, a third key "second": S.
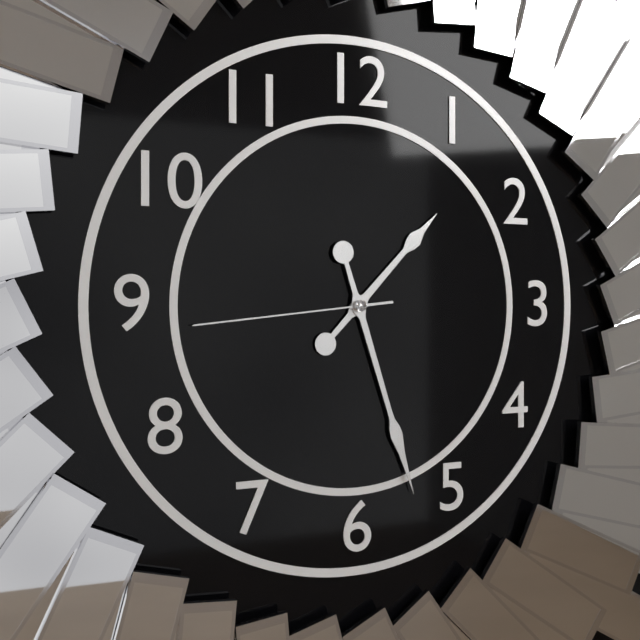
{"hour": 1, "minute": 27, "second": 44}
